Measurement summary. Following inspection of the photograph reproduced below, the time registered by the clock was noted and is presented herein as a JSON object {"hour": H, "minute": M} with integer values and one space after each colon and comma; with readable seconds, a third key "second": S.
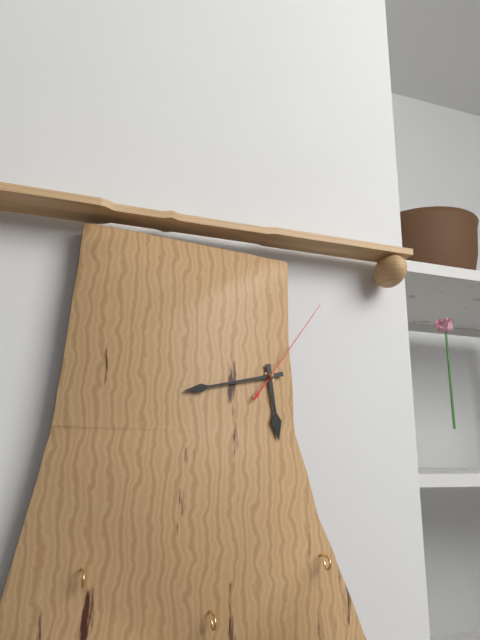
{"hour": 5, "minute": 43, "second": 6}
